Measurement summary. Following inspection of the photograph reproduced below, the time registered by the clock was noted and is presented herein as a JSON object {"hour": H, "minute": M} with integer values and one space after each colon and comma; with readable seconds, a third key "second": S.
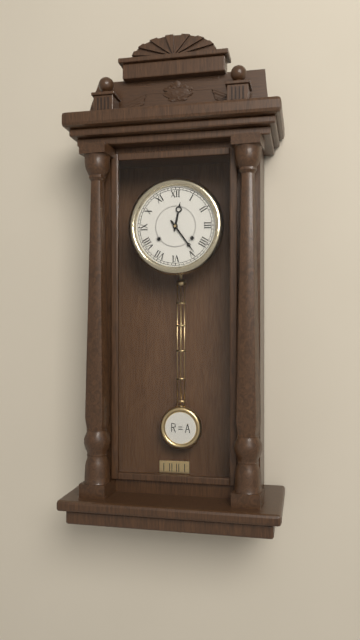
{"hour": 12, "minute": 24}
